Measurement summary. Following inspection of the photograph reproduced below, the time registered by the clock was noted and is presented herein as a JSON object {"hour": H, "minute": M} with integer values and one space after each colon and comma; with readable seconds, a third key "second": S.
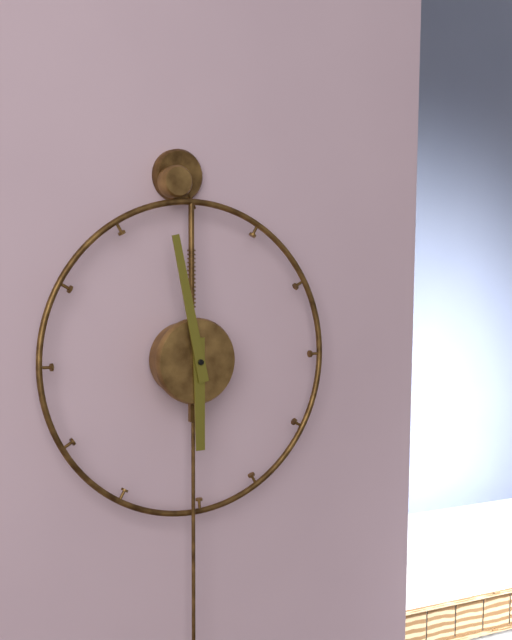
{"hour": 5, "minute": 58}
